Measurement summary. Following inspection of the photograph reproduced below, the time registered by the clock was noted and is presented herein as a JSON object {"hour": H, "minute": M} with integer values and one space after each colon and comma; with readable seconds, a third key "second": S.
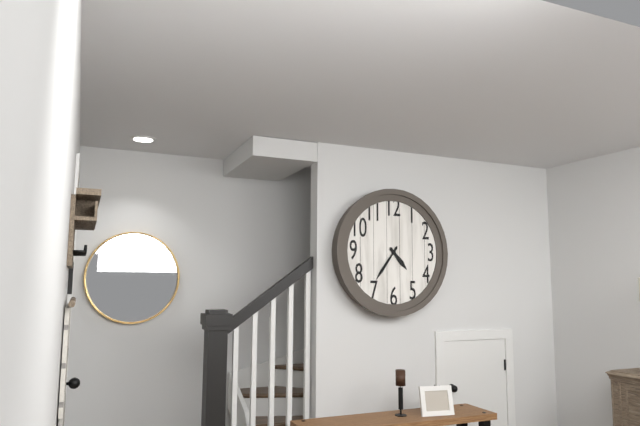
{"hour": 4, "minute": 36}
